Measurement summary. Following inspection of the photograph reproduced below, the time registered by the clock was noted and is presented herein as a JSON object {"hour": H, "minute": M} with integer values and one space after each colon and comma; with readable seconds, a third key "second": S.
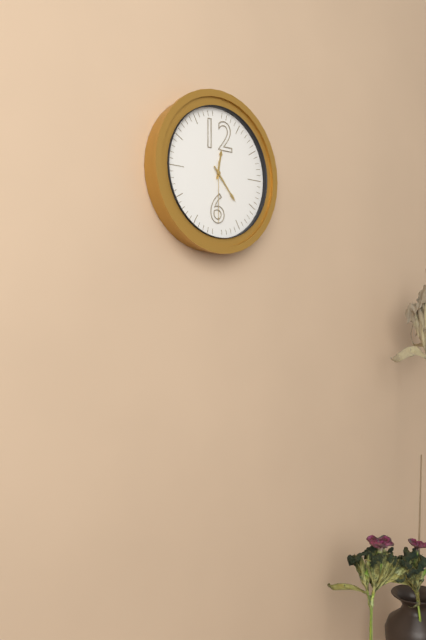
{"hour": 12, "minute": 23, "second": 30}
